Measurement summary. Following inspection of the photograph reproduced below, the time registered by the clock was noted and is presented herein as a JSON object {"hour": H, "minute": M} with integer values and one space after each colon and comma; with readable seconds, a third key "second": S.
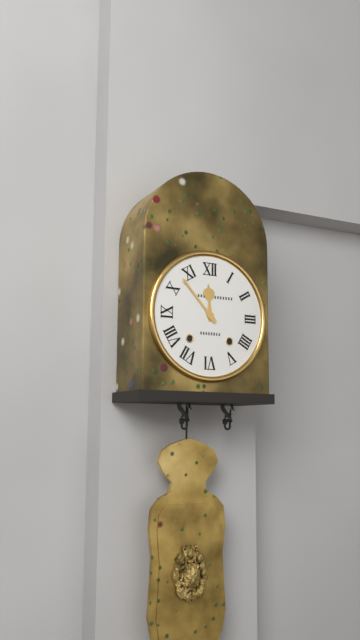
{"hour": 11, "minute": 53}
